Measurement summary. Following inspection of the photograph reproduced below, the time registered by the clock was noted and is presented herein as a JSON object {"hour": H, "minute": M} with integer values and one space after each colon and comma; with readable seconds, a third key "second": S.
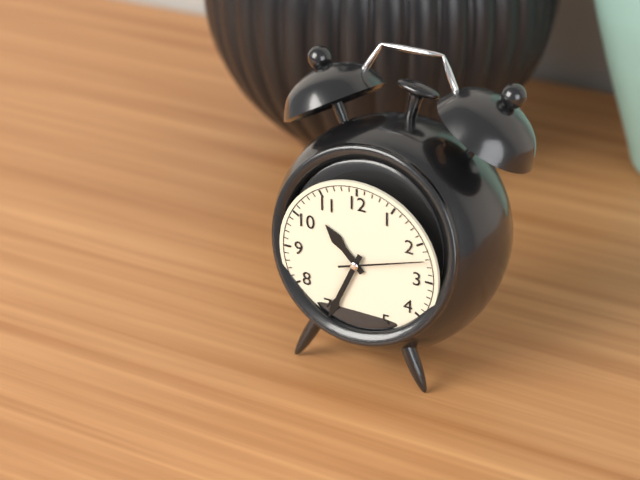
{"hour": 10, "minute": 34, "second": 12}
